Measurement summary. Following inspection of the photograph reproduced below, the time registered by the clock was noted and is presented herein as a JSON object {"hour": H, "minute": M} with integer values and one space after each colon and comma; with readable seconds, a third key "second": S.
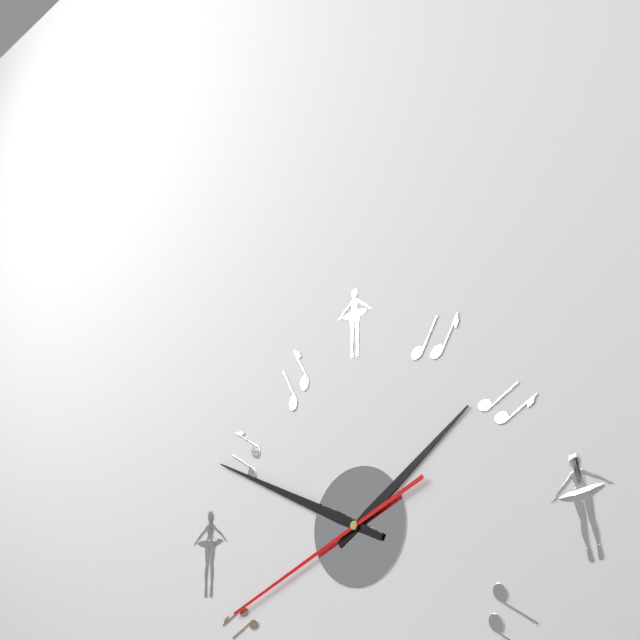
{"hour": 1, "minute": 49, "second": 41}
